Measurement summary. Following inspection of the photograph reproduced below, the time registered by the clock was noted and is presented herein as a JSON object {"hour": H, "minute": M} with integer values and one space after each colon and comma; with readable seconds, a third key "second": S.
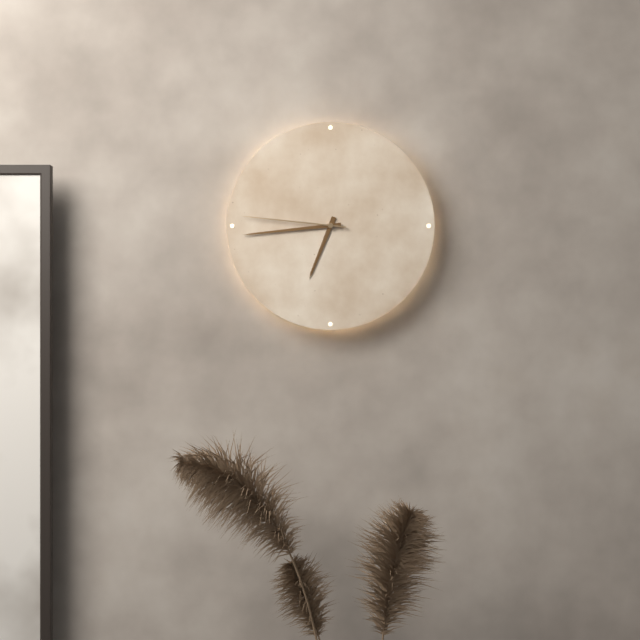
{"hour": 6, "minute": 44, "second": 46}
